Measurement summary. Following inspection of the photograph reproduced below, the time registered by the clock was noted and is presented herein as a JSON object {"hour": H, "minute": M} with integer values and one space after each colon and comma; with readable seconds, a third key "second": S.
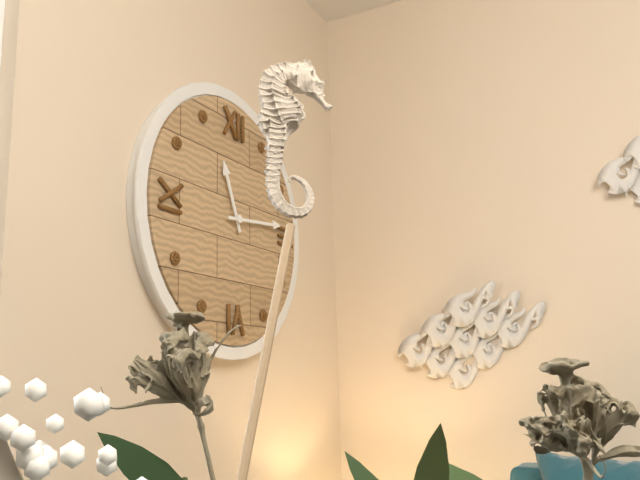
{"hour": 11, "minute": 14}
